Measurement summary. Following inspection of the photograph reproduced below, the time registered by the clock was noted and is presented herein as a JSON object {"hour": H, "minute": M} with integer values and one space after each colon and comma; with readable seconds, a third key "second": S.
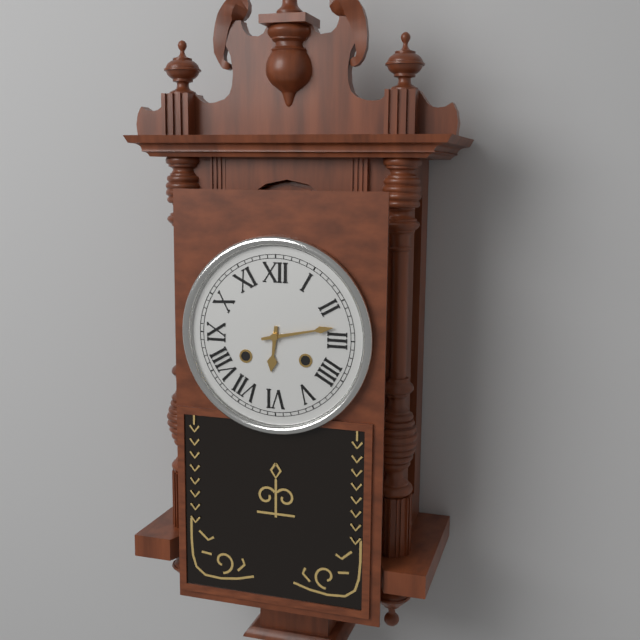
{"hour": 6, "minute": 13}
